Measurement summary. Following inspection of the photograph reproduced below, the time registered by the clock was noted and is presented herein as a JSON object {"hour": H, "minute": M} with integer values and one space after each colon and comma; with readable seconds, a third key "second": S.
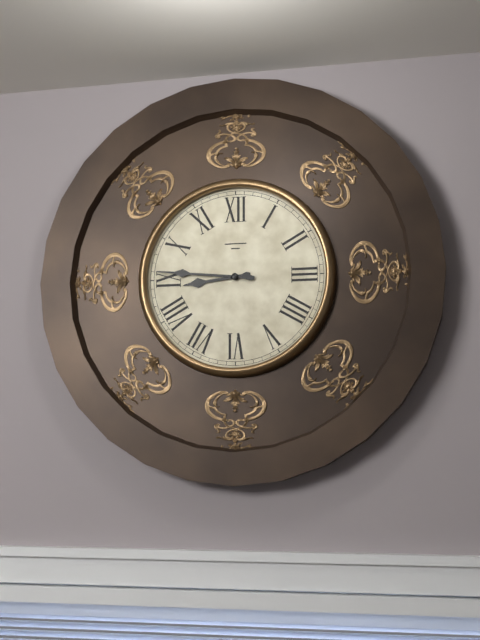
{"hour": 8, "minute": 46}
